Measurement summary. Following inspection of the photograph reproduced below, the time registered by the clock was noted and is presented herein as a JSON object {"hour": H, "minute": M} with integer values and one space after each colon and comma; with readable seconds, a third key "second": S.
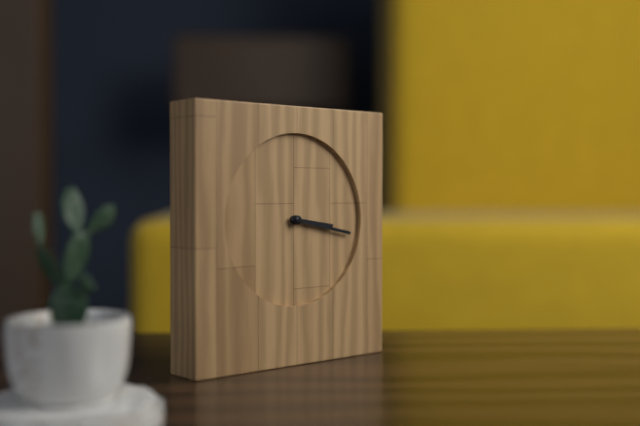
{"hour": 3, "minute": 17}
